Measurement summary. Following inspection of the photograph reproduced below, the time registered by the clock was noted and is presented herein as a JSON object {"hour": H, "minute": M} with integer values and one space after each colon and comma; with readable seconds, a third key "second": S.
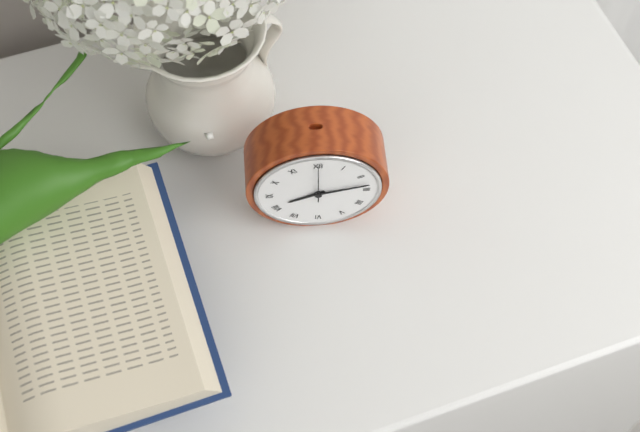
{"hour": 8, "minute": 13}
